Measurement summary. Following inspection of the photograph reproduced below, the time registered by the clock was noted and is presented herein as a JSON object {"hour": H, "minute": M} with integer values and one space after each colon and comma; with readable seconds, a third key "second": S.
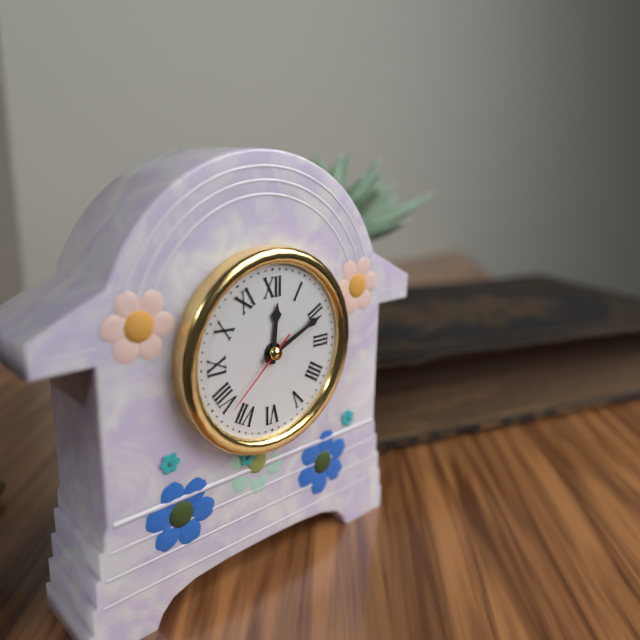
{"hour": 12, "minute": 11, "second": 38}
